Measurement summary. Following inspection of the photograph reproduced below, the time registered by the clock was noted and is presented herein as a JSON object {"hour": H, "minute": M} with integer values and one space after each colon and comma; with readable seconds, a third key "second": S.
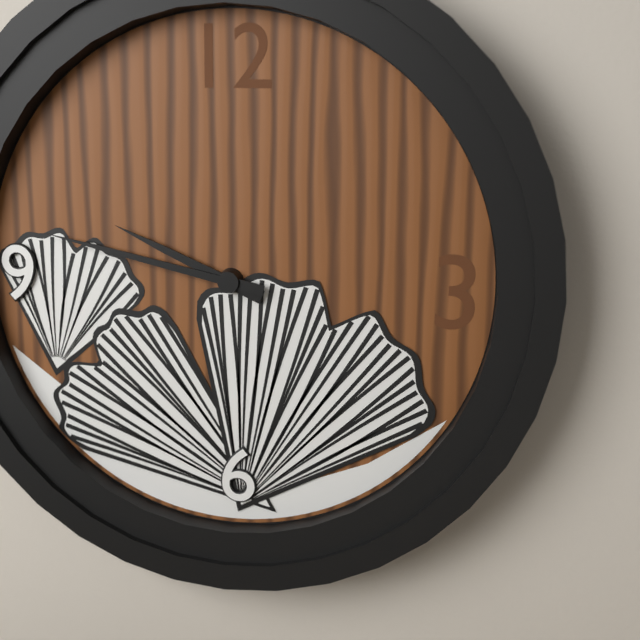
{"hour": 9, "minute": 47}
